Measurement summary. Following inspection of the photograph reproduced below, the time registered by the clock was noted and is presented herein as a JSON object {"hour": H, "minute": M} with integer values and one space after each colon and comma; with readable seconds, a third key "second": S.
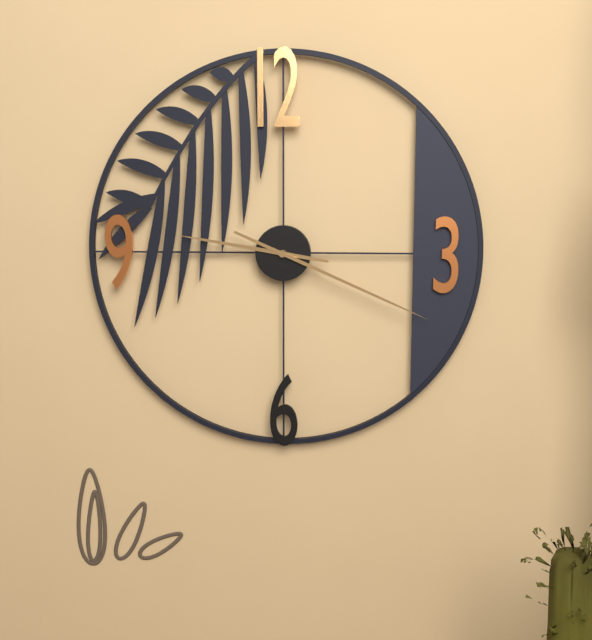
{"hour": 9, "minute": 19}
